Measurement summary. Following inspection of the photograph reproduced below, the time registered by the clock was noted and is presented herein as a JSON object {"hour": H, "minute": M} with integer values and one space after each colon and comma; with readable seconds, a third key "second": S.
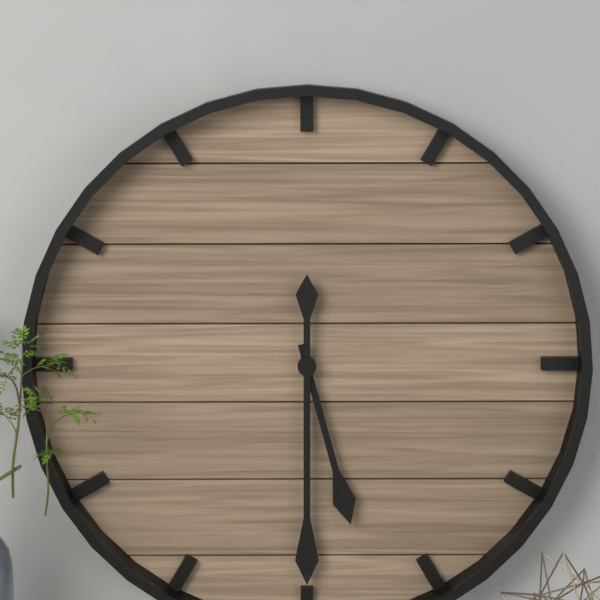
{"hour": 5, "minute": 30}
